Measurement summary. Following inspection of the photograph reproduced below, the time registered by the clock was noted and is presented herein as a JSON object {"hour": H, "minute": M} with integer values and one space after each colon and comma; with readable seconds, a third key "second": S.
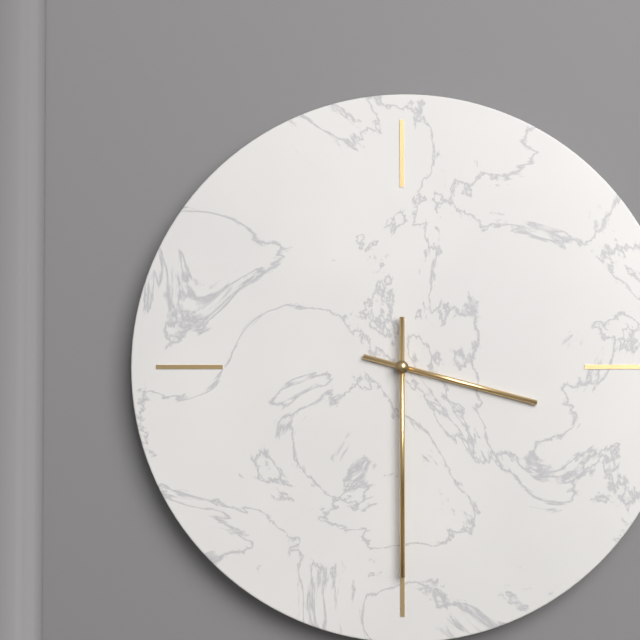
{"hour": 3, "minute": 30}
